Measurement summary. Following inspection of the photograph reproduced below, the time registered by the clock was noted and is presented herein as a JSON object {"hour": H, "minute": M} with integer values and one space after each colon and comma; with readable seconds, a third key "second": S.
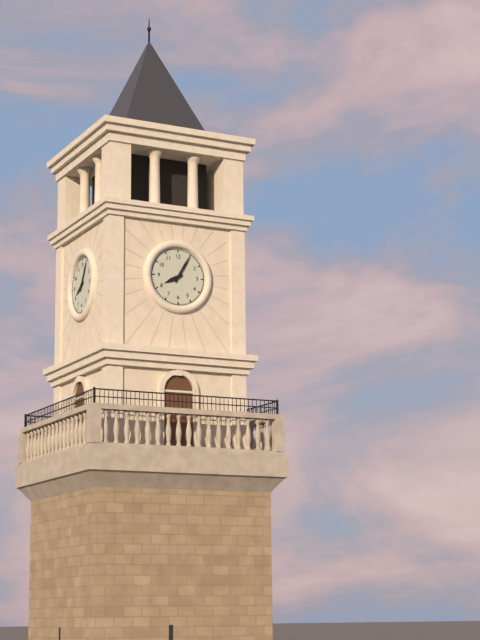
{"hour": 8, "minute": 5}
